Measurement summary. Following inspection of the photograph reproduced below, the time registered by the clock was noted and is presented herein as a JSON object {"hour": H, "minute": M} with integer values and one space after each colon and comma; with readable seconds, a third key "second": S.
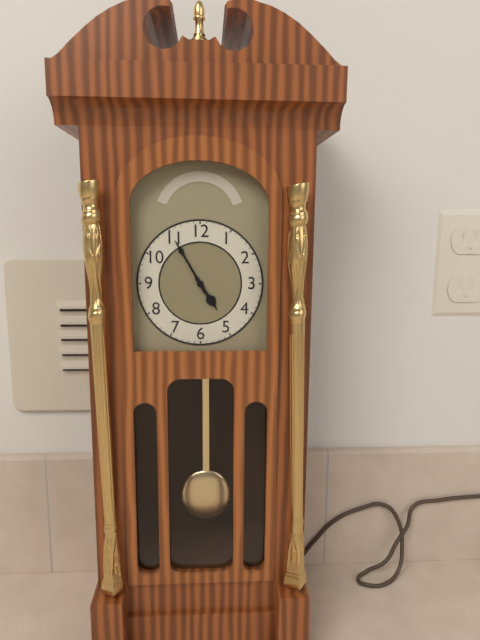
{"hour": 4, "minute": 55}
